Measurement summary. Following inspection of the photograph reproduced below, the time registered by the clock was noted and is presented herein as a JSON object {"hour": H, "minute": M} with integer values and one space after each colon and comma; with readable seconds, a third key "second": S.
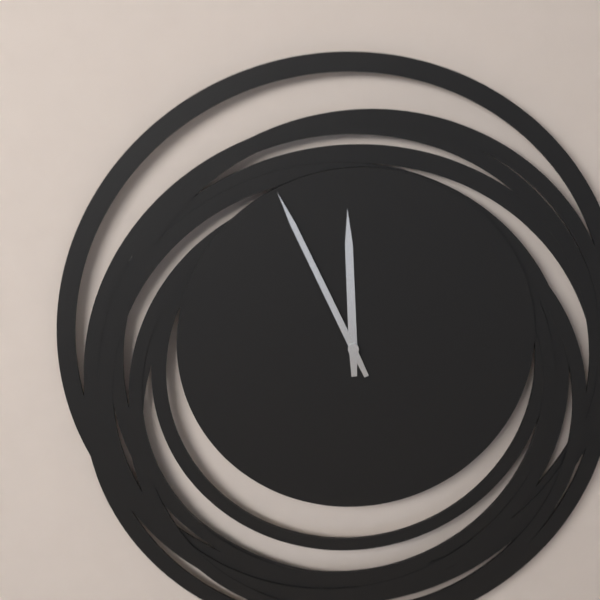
{"hour": 11, "minute": 56}
